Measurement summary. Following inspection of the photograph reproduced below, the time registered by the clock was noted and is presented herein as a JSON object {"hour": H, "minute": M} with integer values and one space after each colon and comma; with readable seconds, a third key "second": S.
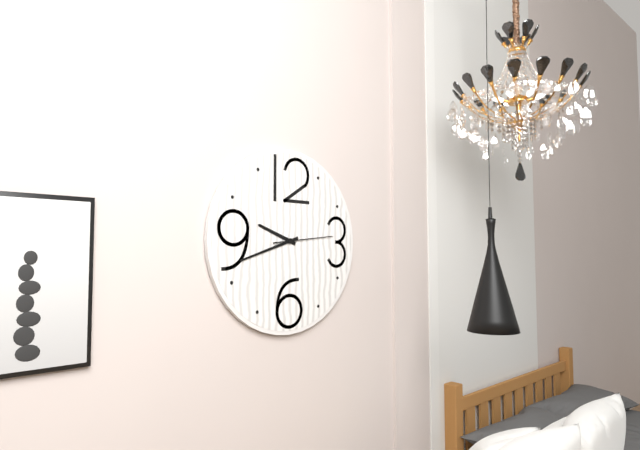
{"hour": 9, "minute": 42, "second": 14}
